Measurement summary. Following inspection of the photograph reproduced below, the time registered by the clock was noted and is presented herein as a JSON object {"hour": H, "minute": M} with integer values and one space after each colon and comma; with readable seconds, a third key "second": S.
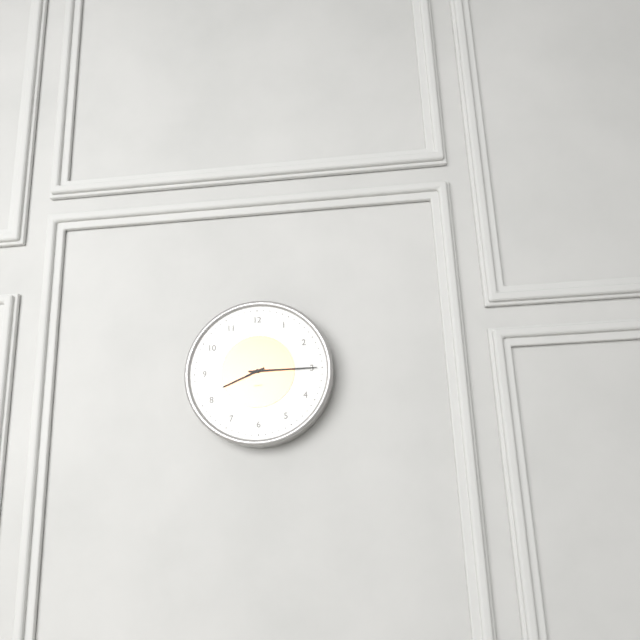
{"hour": 8, "minute": 15}
